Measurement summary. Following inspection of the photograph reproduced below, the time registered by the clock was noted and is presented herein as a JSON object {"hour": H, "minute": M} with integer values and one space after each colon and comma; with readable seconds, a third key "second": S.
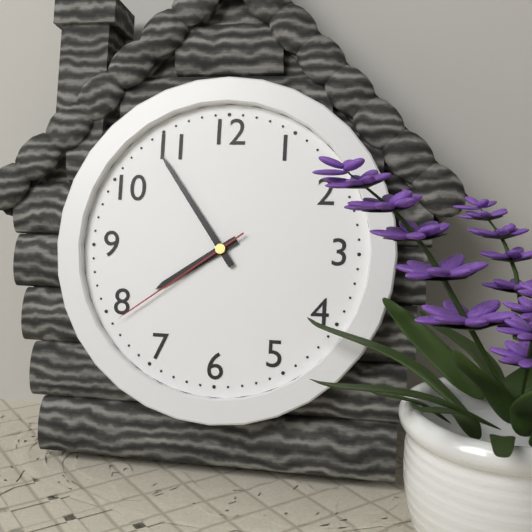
{"hour": 7, "minute": 54, "second": 39}
